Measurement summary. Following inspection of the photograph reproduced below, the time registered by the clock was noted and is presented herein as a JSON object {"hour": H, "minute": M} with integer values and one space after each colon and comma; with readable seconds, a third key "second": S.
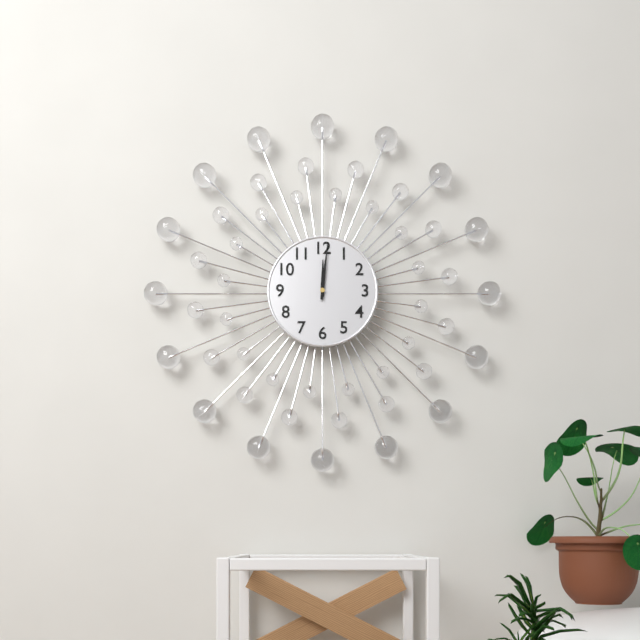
{"hour": 12, "minute": 1}
